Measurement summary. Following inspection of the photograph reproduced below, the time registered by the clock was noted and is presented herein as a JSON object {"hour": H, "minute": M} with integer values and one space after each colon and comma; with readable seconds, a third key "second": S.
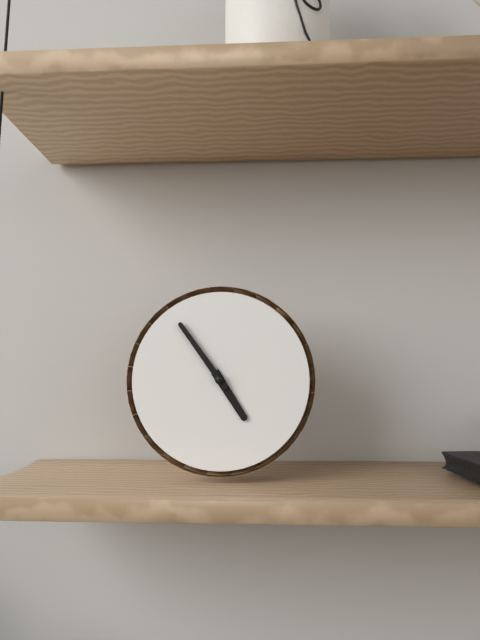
{"hour": 4, "minute": 54}
